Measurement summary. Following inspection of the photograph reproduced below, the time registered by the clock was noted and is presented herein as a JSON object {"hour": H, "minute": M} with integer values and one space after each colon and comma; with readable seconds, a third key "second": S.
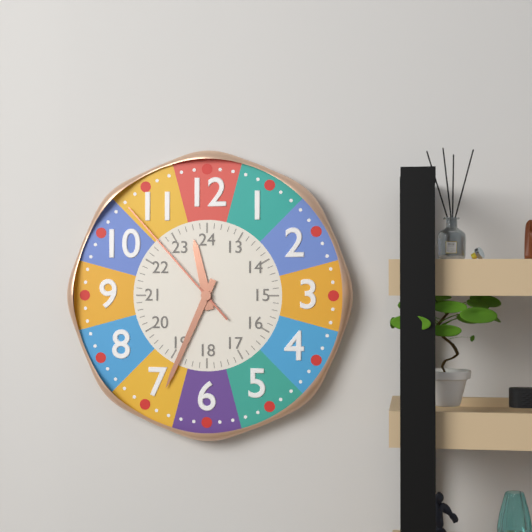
{"hour": 11, "minute": 34, "second": 53}
